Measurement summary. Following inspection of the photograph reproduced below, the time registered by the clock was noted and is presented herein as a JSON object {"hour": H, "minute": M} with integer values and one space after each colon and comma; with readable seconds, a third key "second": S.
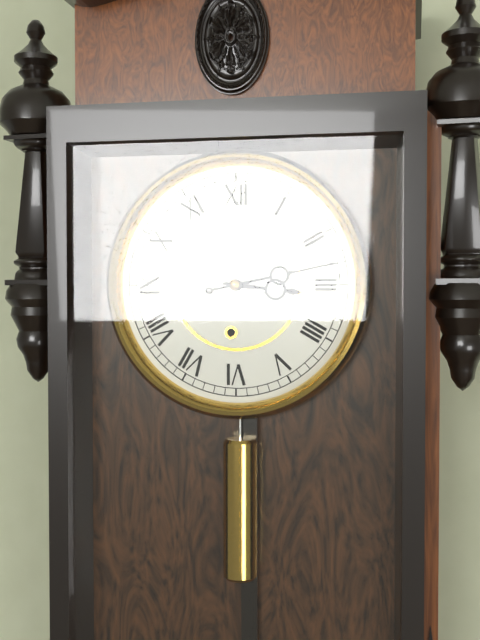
{"hour": 3, "minute": 13}
